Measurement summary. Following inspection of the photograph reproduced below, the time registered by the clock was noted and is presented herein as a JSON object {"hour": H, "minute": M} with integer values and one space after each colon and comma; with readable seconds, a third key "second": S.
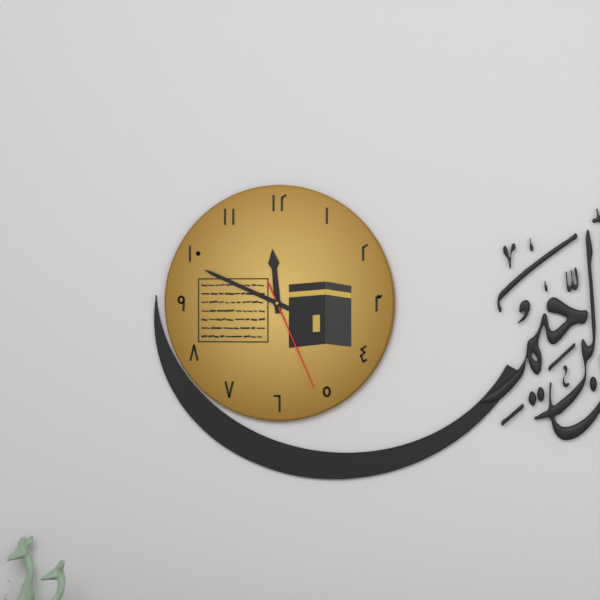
{"hour": 11, "minute": 49, "second": 26}
